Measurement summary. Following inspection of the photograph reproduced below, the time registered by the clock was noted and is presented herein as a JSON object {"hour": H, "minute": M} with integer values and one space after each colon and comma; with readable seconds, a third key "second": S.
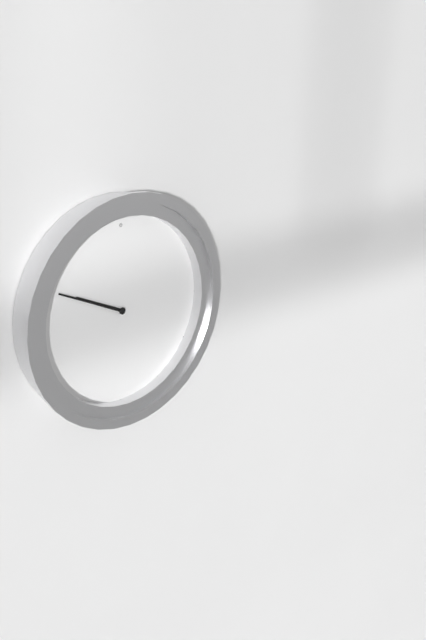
{"hour": 9, "minute": 49}
